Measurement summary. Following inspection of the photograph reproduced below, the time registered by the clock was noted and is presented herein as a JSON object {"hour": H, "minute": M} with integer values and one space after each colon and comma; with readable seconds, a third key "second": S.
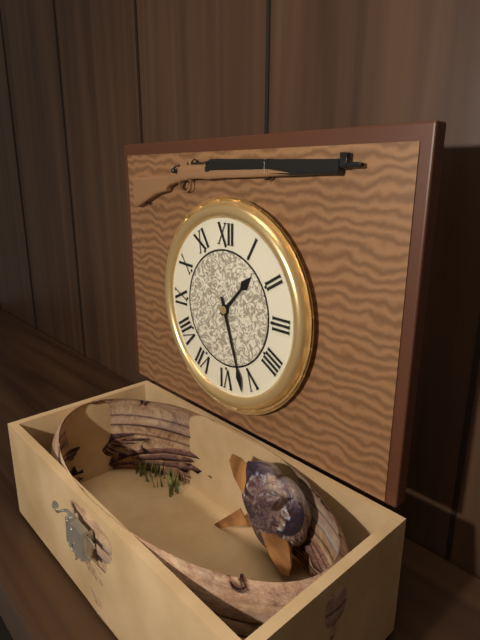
{"hour": 1, "minute": 27}
